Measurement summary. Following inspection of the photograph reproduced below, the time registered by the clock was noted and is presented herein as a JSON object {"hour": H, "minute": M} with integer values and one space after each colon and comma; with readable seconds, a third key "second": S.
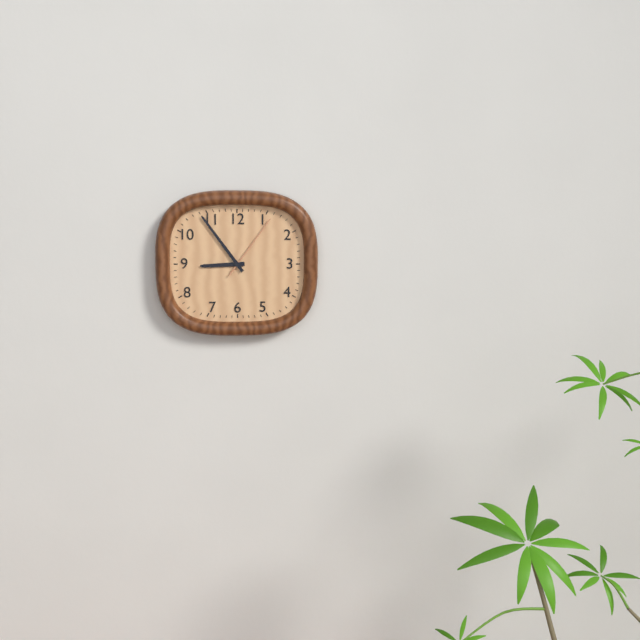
{"hour": 8, "minute": 54, "second": 6}
